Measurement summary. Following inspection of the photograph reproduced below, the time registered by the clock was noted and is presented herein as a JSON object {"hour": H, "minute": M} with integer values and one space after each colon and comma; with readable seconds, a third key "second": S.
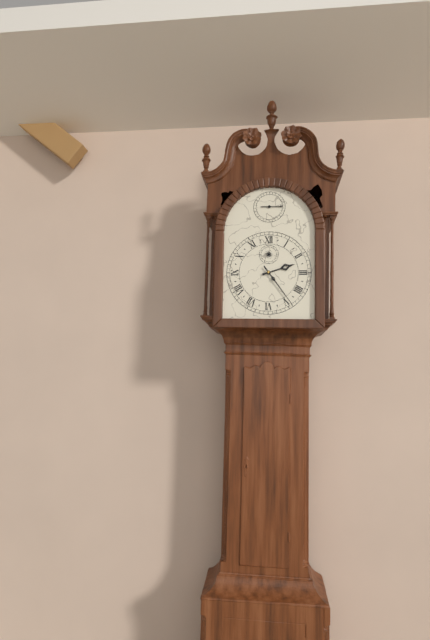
{"hour": 2, "minute": 24}
